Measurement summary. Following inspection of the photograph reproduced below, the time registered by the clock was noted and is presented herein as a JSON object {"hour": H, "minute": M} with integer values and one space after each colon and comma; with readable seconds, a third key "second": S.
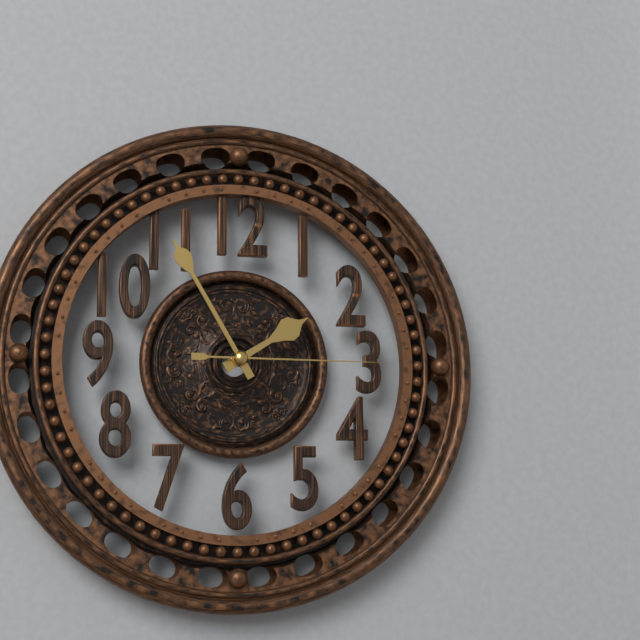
{"hour": 1, "minute": 55, "second": 15}
